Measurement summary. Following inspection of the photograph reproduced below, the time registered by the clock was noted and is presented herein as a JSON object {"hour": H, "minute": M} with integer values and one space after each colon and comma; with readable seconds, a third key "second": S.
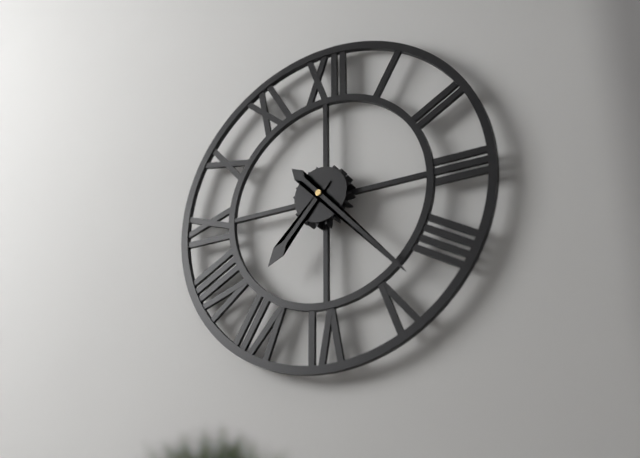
{"hour": 7, "minute": 23}
